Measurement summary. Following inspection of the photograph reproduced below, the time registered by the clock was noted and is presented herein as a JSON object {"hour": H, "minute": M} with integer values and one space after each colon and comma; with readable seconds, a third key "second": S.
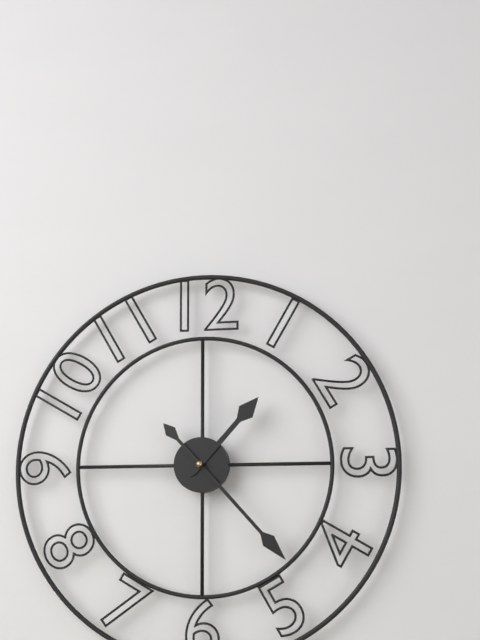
{"hour": 1, "minute": 23}
